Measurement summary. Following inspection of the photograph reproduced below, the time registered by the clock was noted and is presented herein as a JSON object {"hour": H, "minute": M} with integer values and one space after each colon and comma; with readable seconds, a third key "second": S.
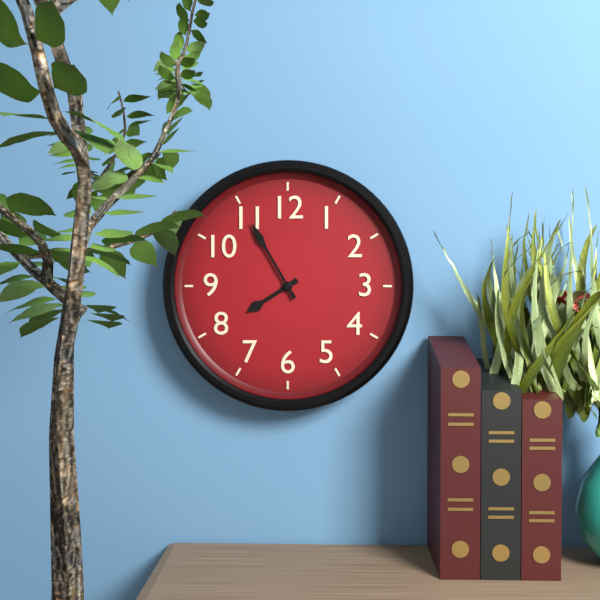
{"hour": 7, "minute": 55}
